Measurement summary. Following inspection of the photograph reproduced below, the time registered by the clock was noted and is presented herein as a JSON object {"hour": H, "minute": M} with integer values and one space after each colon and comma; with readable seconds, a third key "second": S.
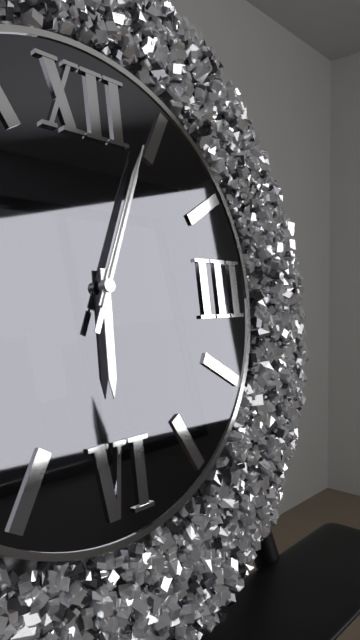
{"hour": 6, "minute": 4, "second": 4}
